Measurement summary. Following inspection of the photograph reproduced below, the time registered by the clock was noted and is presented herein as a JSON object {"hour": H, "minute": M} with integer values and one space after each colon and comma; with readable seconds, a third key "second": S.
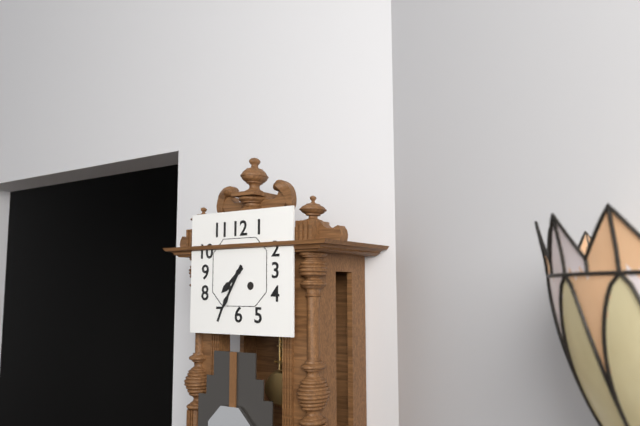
{"hour": 7, "minute": 35}
